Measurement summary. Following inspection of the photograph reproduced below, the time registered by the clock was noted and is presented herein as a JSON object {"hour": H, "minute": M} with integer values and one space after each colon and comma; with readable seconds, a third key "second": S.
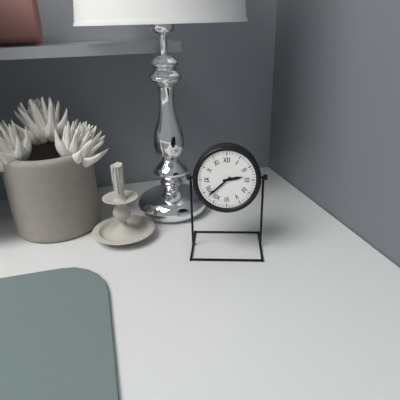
{"hour": 2, "minute": 38}
